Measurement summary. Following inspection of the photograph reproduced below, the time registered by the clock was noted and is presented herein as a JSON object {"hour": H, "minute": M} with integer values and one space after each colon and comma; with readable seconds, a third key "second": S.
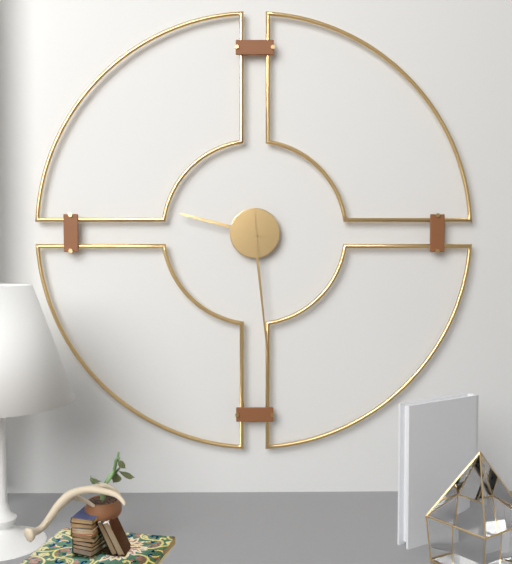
{"hour": 9, "minute": 29}
